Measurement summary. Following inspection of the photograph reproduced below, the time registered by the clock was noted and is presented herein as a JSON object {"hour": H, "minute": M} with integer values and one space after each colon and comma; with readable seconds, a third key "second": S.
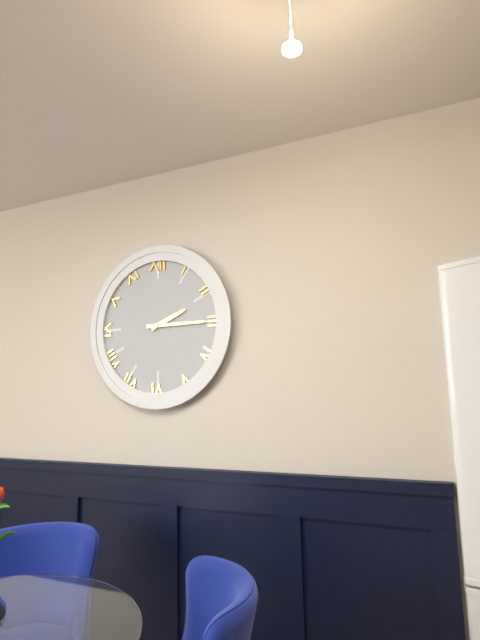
{"hour": 2, "minute": 15}
